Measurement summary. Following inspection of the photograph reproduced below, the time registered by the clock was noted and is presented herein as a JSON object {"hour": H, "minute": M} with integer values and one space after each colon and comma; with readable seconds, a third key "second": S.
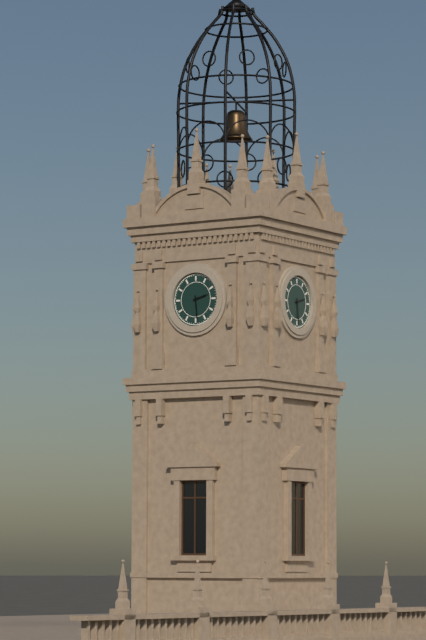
{"hour": 2, "minute": 29}
